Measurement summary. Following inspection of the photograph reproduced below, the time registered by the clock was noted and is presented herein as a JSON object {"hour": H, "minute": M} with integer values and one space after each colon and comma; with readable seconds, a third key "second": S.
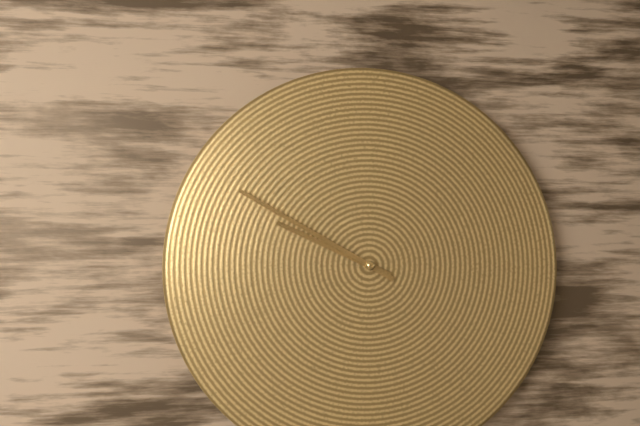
{"hour": 9, "minute": 50}
